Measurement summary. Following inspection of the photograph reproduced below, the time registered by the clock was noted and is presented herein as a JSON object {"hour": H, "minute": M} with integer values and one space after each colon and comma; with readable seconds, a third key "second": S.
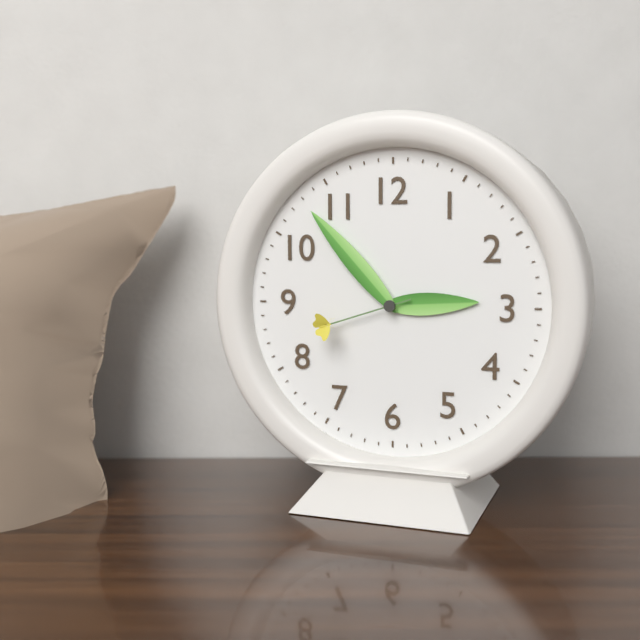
{"hour": 2, "minute": 53, "second": 42}
